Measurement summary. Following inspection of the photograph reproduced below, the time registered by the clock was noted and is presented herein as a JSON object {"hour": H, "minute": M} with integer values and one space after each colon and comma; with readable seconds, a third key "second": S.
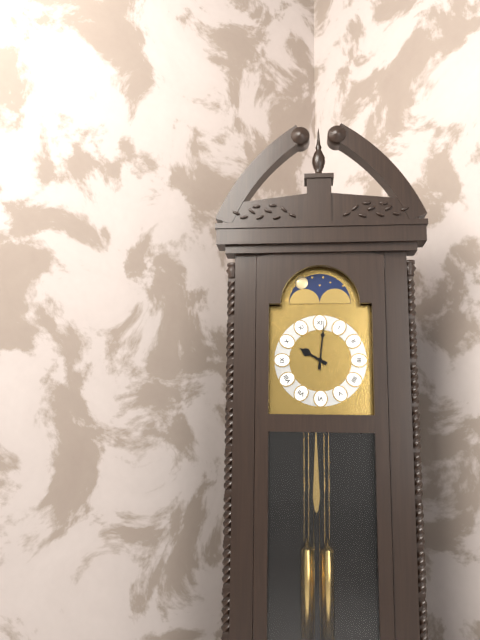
{"hour": 10, "minute": 1}
